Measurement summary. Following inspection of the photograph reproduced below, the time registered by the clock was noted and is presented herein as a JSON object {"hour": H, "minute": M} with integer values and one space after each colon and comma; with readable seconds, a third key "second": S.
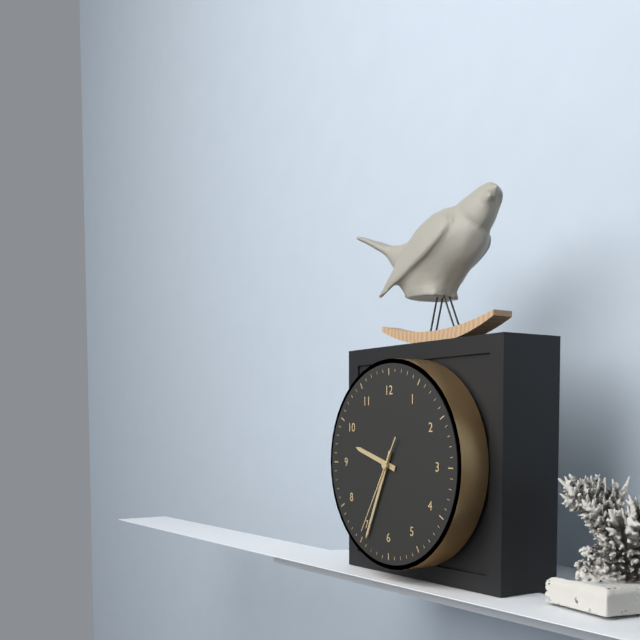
{"hour": 9, "minute": 34, "second": 35}
